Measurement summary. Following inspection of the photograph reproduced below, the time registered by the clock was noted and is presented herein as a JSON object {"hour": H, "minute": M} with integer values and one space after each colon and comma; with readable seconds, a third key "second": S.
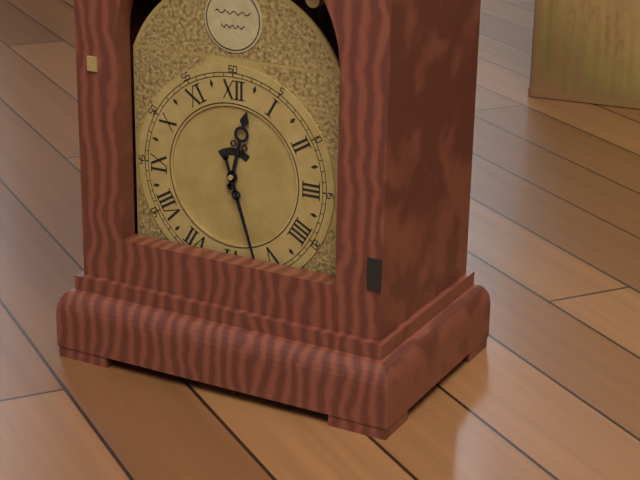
{"hour": 12, "minute": 27}
